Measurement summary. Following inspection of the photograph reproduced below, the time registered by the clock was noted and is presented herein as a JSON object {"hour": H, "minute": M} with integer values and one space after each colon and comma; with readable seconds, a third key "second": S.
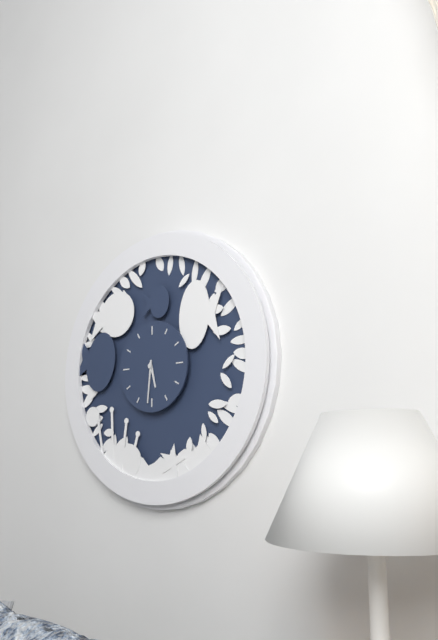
{"hour": 5, "minute": 31}
